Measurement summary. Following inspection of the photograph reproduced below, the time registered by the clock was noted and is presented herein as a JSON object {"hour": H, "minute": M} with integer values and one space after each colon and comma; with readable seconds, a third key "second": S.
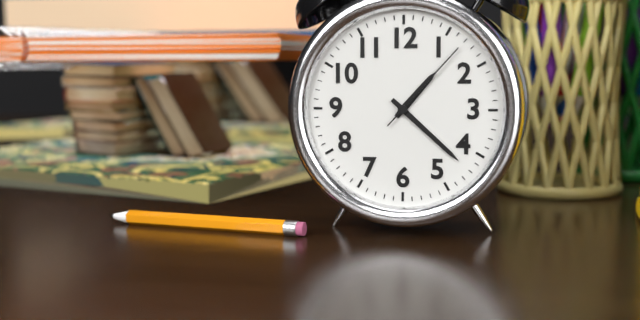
{"hour": 1, "minute": 22, "second": 7}
